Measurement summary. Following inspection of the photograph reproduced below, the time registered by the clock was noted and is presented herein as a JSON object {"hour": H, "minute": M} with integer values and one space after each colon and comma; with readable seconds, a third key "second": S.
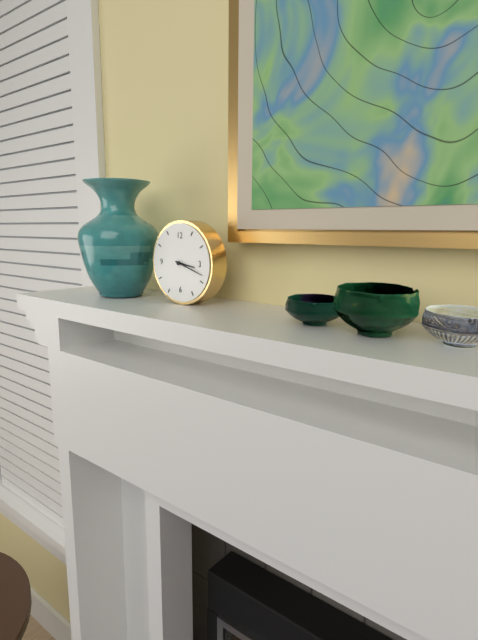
{"hour": 3, "minute": 18}
